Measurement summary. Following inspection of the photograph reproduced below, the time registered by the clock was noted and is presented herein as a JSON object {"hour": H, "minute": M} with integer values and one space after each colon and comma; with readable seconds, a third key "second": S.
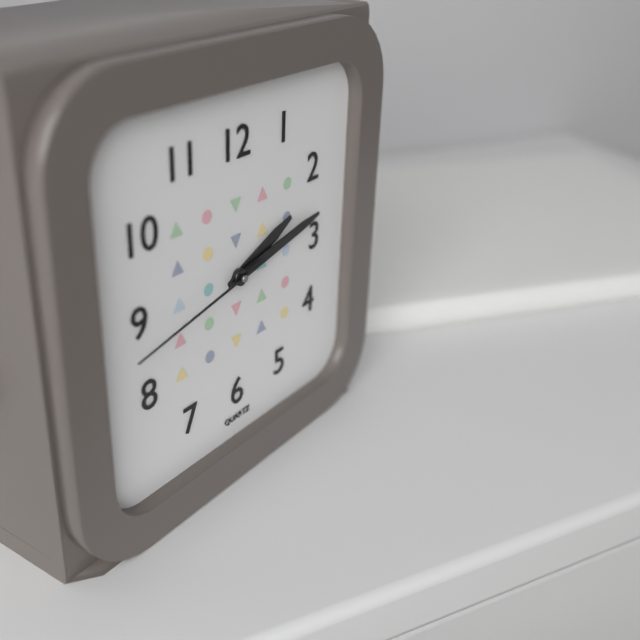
{"hour": 2, "minute": 13, "second": 43}
